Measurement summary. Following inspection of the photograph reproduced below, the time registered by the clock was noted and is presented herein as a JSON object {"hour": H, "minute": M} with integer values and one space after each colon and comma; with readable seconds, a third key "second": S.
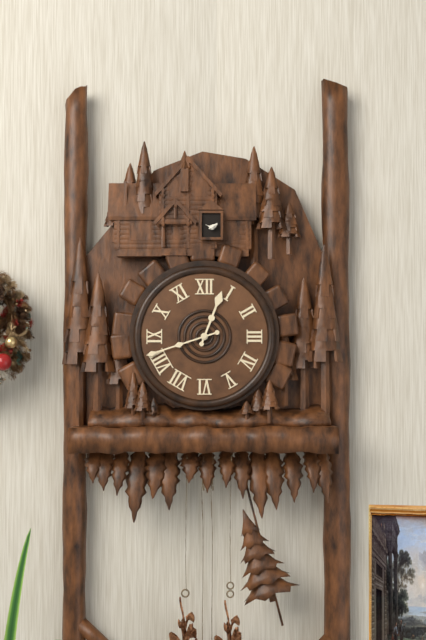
{"hour": 12, "minute": 42}
